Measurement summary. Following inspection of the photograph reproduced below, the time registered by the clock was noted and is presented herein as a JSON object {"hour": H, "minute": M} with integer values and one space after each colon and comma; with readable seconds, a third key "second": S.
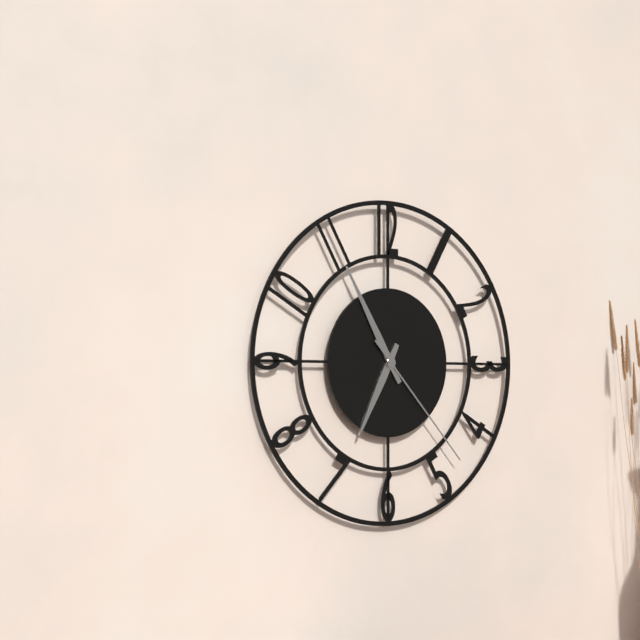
{"hour": 6, "minute": 55, "second": 23}
